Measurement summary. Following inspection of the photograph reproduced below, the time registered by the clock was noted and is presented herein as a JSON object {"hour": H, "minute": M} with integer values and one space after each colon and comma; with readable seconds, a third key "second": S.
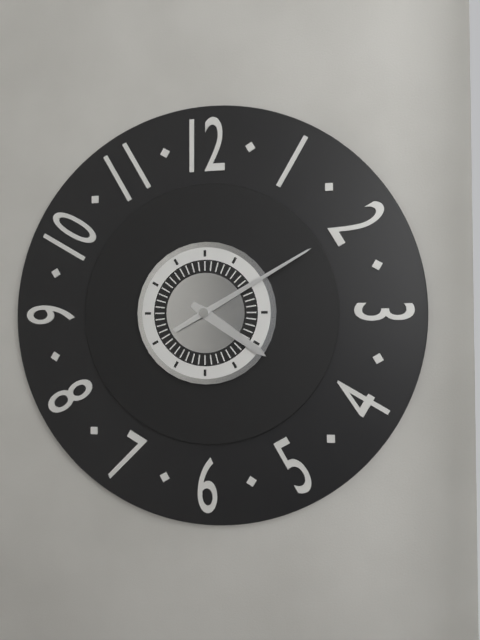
{"hour": 4, "minute": 10}
